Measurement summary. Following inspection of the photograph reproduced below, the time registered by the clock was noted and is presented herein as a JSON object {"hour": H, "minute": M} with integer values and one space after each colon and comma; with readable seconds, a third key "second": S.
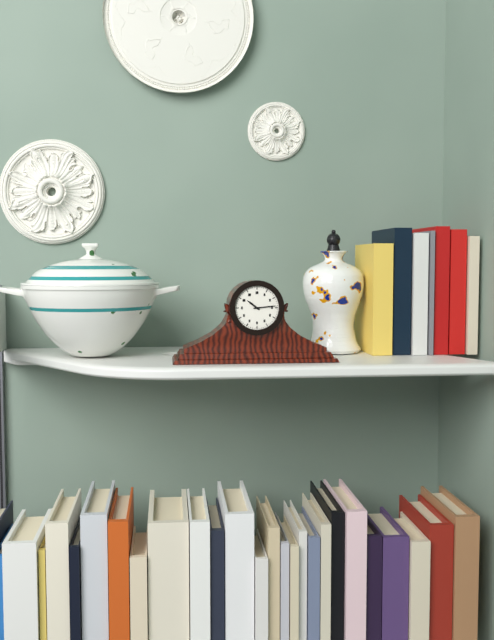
{"hour": 10, "minute": 14}
